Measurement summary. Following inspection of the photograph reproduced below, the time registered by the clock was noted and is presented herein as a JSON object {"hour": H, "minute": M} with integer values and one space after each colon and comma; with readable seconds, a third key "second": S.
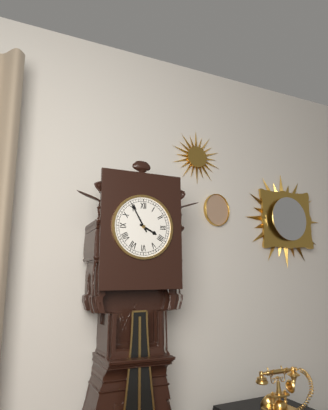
{"hour": 3, "minute": 55}
